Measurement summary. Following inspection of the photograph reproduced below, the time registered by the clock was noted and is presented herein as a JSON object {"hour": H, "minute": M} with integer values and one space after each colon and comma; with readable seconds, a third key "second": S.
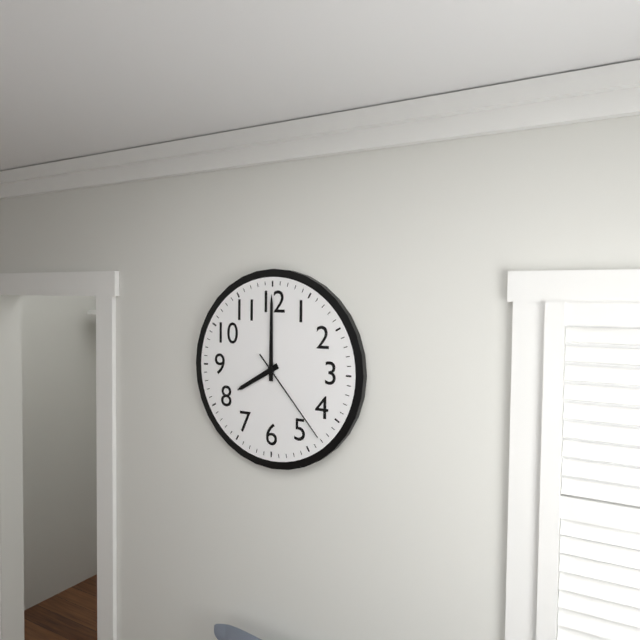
{"hour": 8, "minute": 0, "second": 23}
